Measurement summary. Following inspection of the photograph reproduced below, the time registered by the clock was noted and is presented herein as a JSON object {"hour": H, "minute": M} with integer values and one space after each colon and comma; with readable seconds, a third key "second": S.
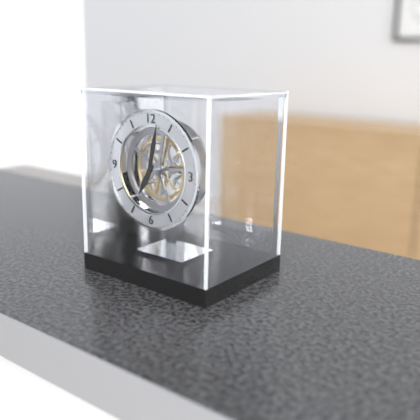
{"hour": 7, "minute": 2}
